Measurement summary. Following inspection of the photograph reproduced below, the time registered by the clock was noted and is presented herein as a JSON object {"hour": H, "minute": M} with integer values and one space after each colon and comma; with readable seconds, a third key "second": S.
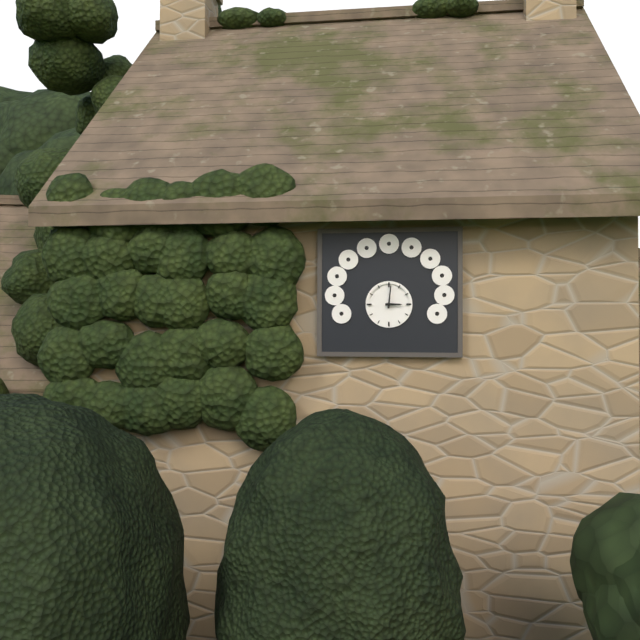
{"hour": 3, "minute": 1}
